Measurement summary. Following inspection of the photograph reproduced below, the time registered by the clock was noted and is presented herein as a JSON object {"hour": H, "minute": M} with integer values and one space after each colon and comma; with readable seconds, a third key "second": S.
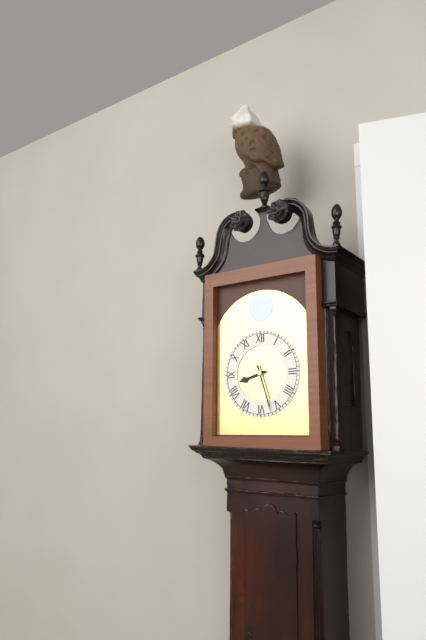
{"hour": 8, "minute": 27}
